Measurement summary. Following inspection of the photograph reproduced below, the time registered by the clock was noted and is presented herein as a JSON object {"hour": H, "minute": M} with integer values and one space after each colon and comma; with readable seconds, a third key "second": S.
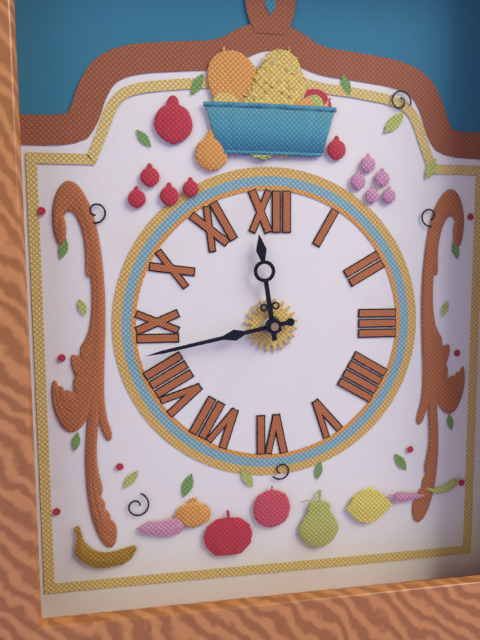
{"hour": 11, "minute": 43}
